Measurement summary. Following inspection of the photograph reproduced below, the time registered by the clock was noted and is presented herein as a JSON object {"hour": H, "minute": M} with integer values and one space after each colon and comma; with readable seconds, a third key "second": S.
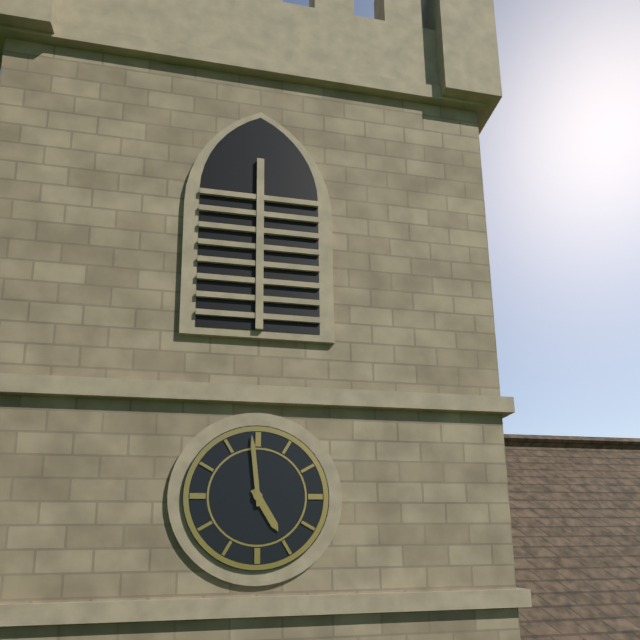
{"hour": 4, "minute": 59}
